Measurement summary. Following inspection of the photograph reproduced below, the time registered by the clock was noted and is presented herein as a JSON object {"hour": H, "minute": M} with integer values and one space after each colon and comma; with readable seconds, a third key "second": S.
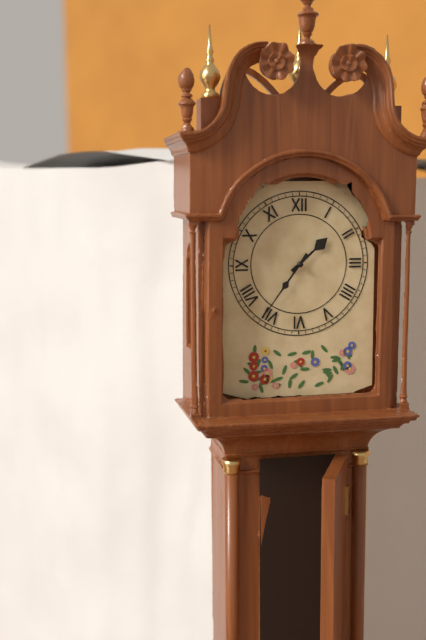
{"hour": 1, "minute": 36}
